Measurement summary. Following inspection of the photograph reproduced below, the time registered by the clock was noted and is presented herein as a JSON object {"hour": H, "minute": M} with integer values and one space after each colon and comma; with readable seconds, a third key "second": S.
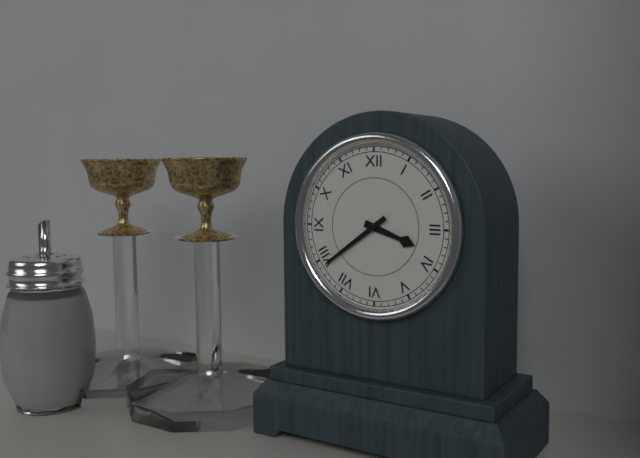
{"hour": 3, "minute": 39}
